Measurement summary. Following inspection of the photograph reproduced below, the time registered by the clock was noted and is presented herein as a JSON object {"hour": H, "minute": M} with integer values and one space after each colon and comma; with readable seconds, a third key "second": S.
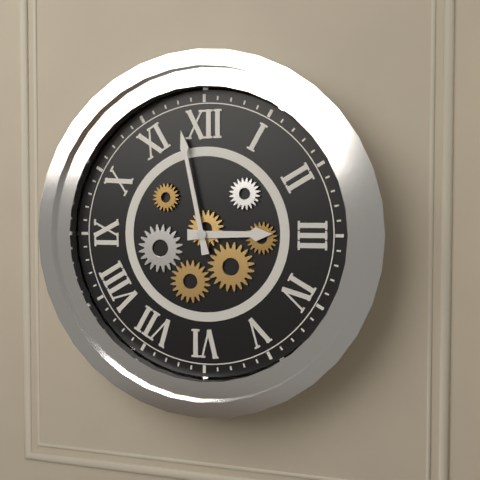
{"hour": 2, "minute": 58}
